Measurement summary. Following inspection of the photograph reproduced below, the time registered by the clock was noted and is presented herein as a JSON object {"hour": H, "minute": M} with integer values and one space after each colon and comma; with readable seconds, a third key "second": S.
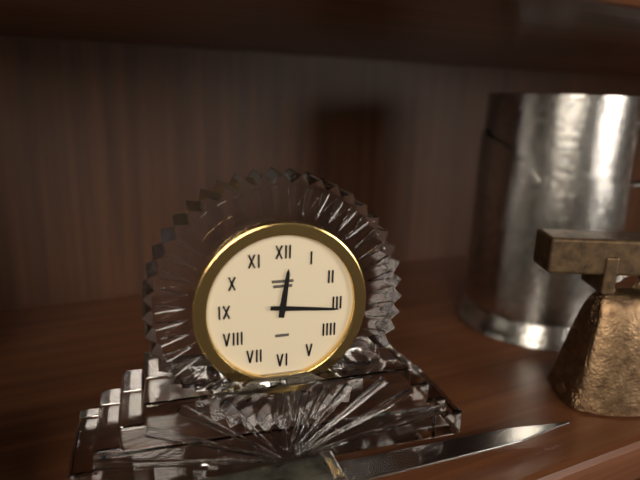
{"hour": 12, "minute": 16}
